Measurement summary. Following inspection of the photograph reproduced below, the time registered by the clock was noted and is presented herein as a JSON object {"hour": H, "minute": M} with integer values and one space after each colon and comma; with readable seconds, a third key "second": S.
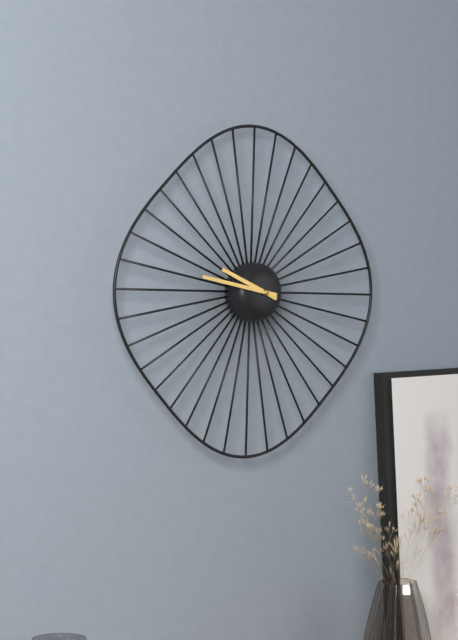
{"hour": 9, "minute": 47}
